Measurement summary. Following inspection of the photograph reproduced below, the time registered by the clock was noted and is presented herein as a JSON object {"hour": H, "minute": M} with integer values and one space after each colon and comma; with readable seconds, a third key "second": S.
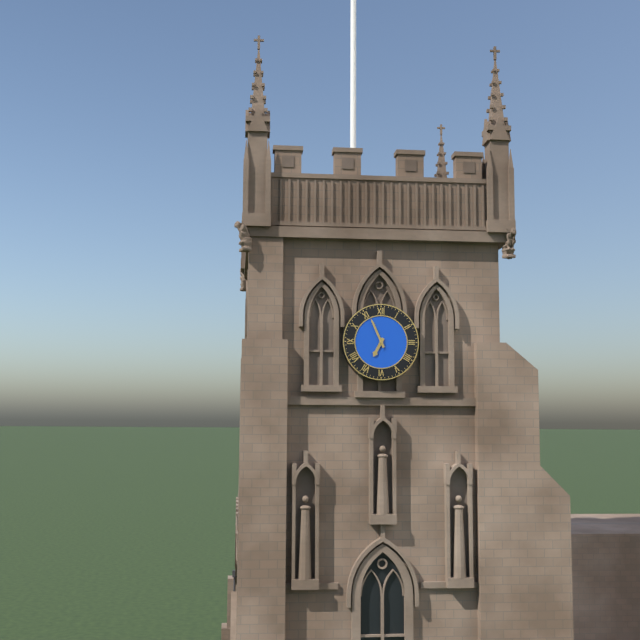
{"hour": 6, "minute": 56}
